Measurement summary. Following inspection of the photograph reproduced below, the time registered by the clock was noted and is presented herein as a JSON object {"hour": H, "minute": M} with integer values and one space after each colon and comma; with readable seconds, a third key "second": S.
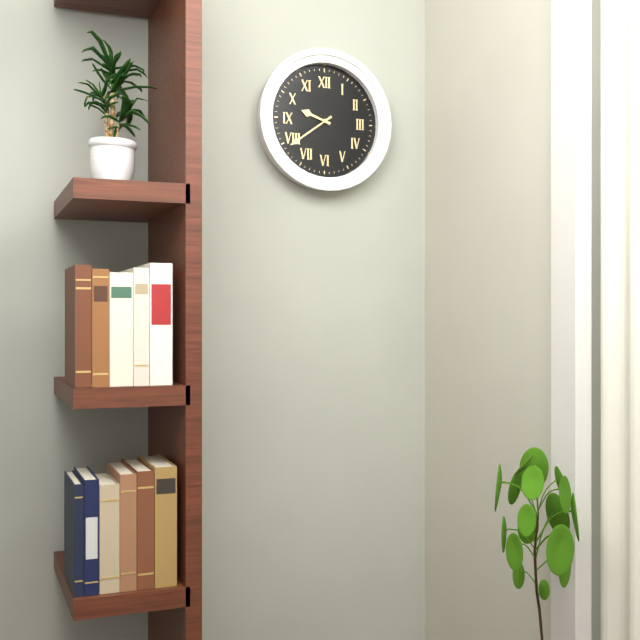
{"hour": 9, "minute": 39}
